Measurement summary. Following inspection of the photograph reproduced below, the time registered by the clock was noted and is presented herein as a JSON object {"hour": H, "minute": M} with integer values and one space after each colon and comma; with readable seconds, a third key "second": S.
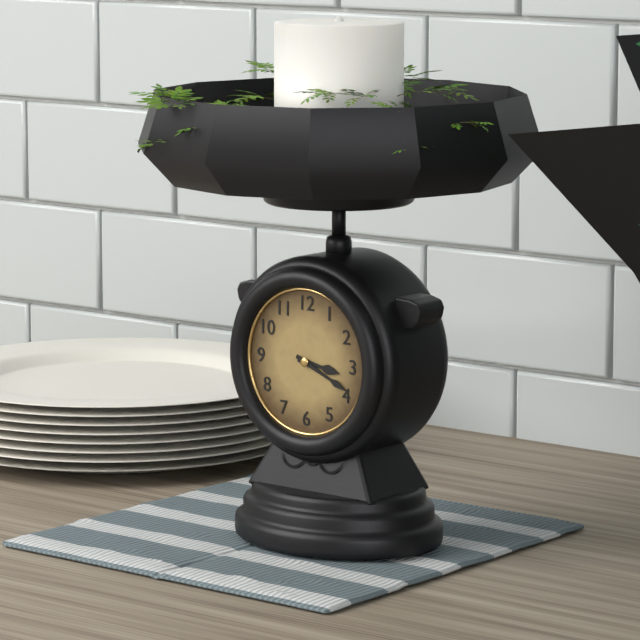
{"hour": 3, "minute": 19}
